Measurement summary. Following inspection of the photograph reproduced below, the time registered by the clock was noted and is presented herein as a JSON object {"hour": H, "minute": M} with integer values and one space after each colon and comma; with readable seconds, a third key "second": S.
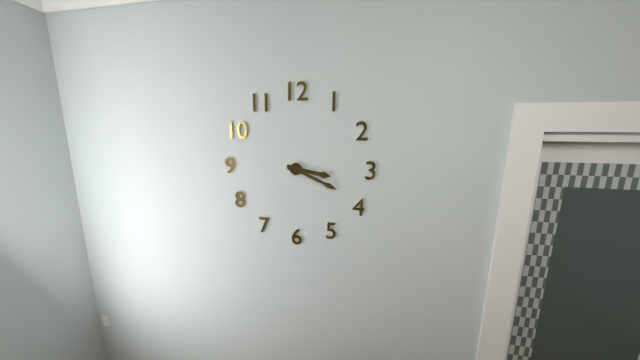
{"hour": 3, "minute": 19}
